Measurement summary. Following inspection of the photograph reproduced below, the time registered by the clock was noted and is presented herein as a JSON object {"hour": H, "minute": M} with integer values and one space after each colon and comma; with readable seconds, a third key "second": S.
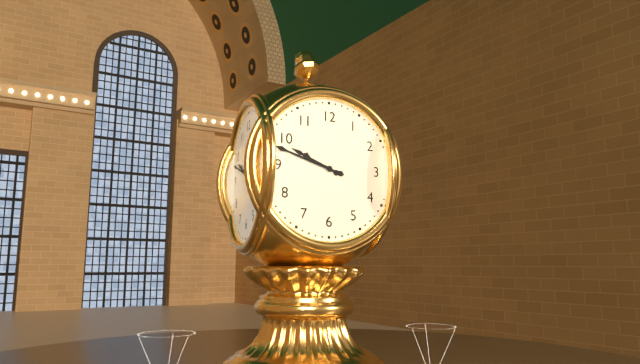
{"hour": 9, "minute": 48}
